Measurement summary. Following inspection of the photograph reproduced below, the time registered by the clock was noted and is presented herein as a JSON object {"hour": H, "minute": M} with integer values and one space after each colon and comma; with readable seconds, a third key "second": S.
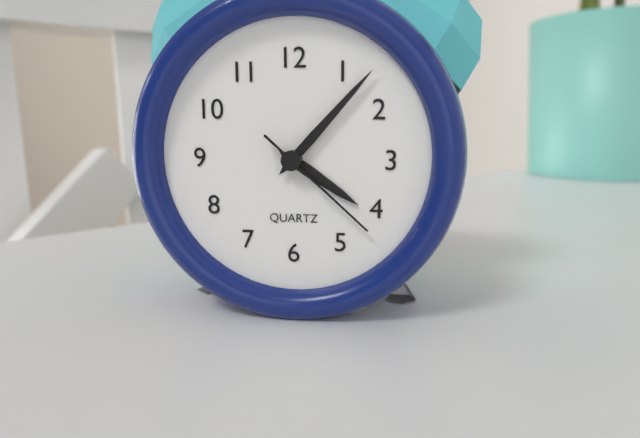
{"hour": 4, "minute": 7, "second": 22}
